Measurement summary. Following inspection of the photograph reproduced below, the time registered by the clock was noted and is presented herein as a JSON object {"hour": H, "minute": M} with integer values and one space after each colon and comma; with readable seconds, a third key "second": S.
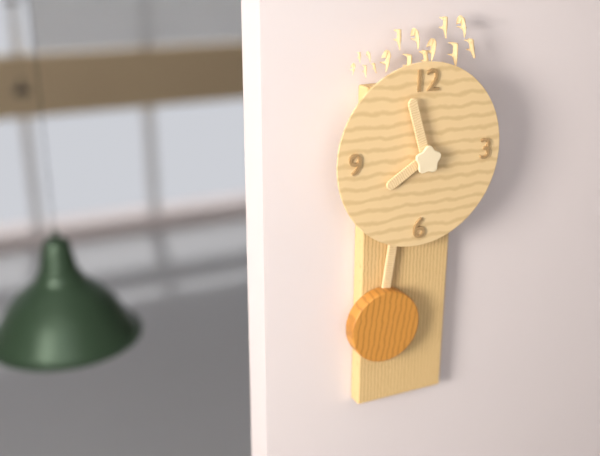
{"hour": 7, "minute": 57}
